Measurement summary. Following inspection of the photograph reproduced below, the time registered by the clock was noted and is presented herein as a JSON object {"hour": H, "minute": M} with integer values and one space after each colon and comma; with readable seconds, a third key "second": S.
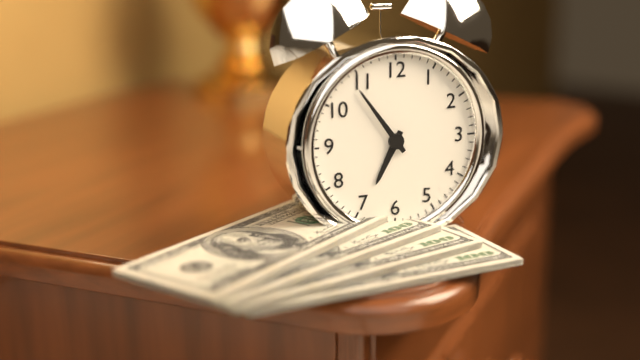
{"hour": 6, "minute": 54}
